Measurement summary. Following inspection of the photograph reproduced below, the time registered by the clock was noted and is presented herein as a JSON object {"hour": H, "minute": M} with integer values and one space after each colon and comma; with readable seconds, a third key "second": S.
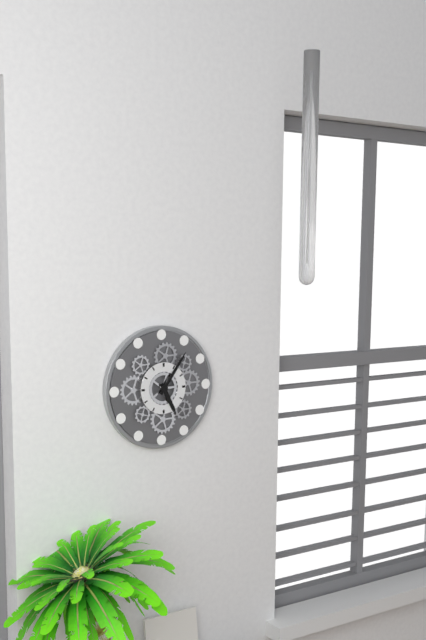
{"hour": 5, "minute": 6}
